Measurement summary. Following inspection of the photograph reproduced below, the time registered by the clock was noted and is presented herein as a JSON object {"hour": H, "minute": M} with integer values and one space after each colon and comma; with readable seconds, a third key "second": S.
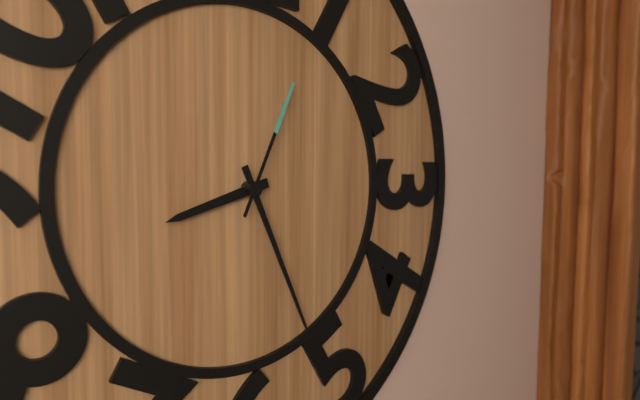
{"hour": 8, "minute": 26, "second": 4}
